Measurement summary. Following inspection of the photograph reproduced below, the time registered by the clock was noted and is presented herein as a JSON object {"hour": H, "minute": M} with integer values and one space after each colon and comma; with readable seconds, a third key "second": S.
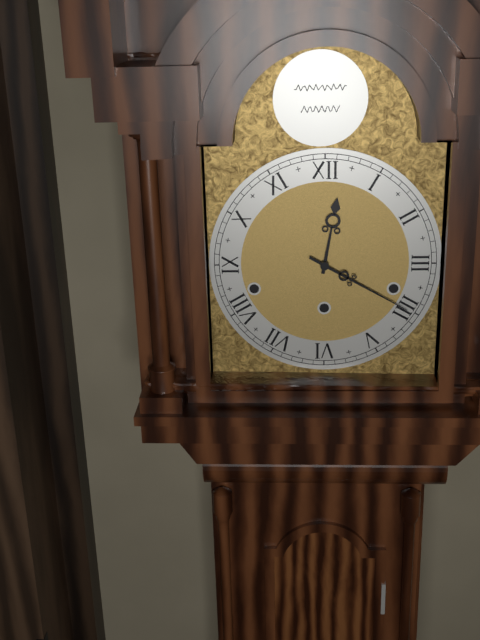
{"hour": 12, "minute": 20}
